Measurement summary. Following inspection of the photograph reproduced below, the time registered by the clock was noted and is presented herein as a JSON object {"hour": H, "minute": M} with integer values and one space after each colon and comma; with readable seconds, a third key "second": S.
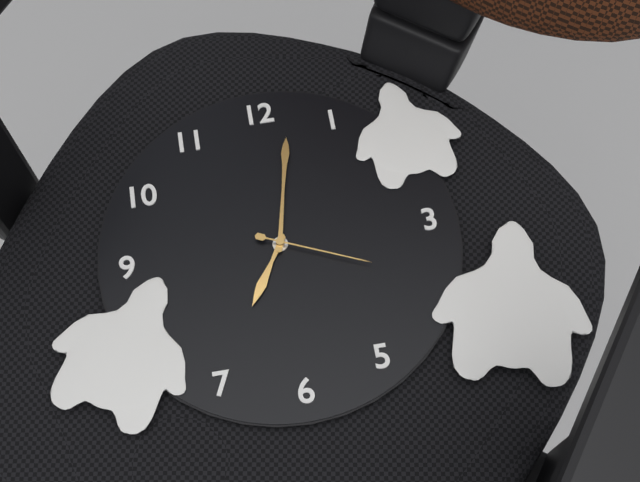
{"hour": 7, "minute": 2, "second": 19}
